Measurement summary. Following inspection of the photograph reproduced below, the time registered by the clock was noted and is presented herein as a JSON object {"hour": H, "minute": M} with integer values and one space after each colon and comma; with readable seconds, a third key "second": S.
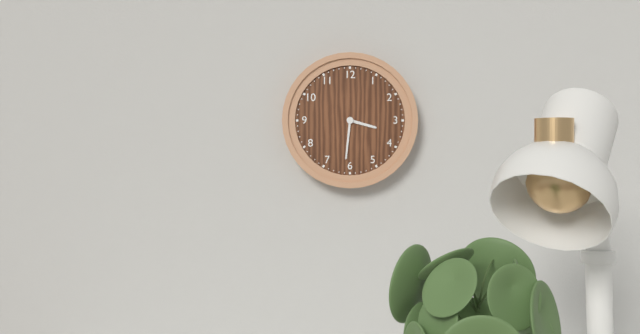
{"hour": 3, "minute": 31}
